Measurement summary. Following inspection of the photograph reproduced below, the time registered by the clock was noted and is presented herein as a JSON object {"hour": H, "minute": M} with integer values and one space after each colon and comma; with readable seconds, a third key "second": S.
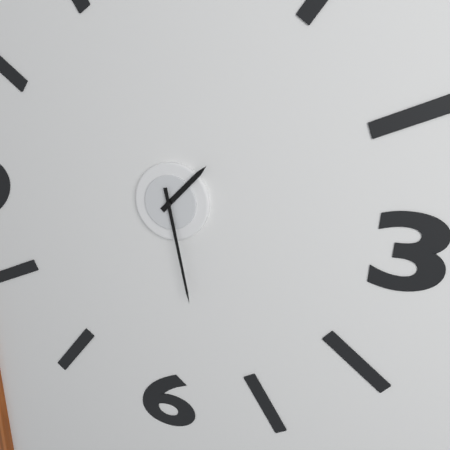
{"hour": 1, "minute": 28}
